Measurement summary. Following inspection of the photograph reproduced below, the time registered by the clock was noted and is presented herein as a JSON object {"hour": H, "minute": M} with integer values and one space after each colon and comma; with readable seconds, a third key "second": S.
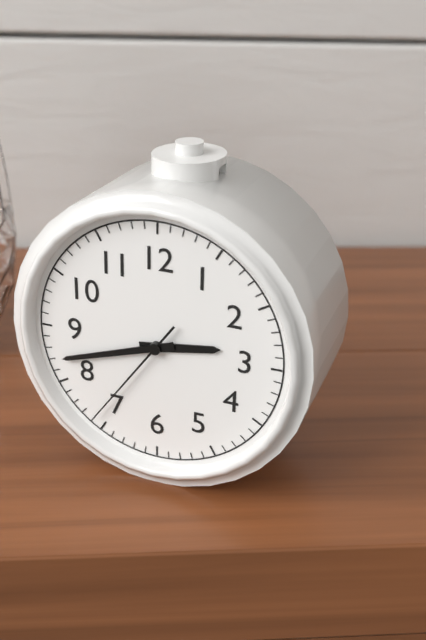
{"hour": 2, "minute": 42, "second": 36}
